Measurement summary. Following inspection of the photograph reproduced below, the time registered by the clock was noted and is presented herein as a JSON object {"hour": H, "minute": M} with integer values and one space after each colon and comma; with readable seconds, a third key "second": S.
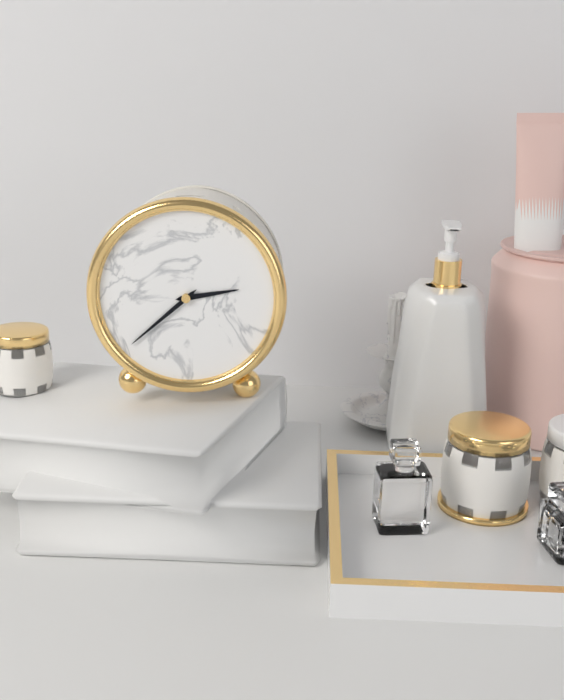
{"hour": 2, "minute": 38}
